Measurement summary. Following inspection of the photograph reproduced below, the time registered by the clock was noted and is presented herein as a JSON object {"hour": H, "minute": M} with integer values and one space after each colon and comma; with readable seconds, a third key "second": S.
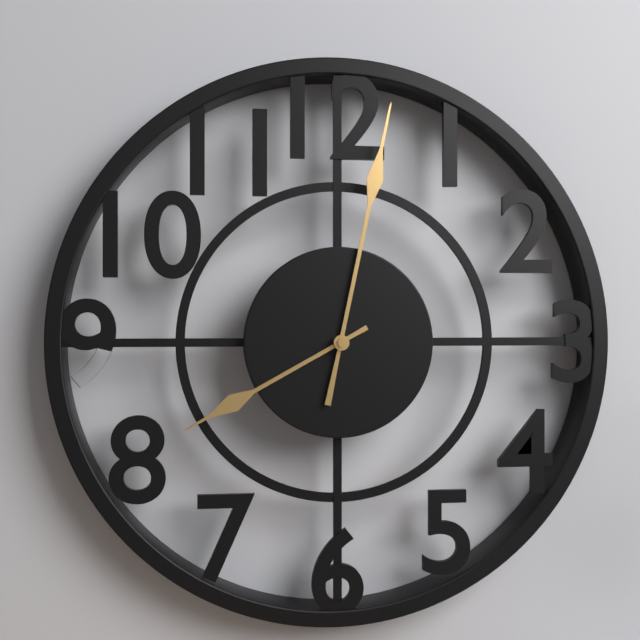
{"hour": 8, "minute": 2}
